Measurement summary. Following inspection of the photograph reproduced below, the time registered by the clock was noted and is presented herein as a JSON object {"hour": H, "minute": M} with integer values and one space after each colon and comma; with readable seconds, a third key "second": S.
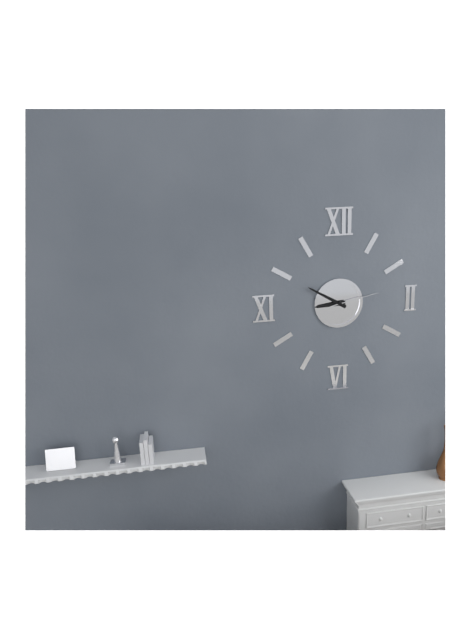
{"hour": 8, "minute": 50, "second": 13}
